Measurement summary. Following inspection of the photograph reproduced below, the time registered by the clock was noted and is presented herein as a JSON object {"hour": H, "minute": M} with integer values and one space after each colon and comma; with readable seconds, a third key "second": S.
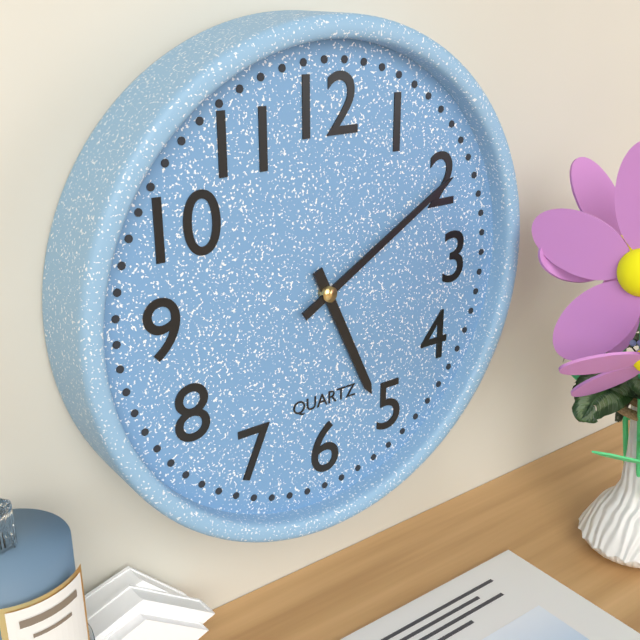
{"hour": 5, "minute": 10}
